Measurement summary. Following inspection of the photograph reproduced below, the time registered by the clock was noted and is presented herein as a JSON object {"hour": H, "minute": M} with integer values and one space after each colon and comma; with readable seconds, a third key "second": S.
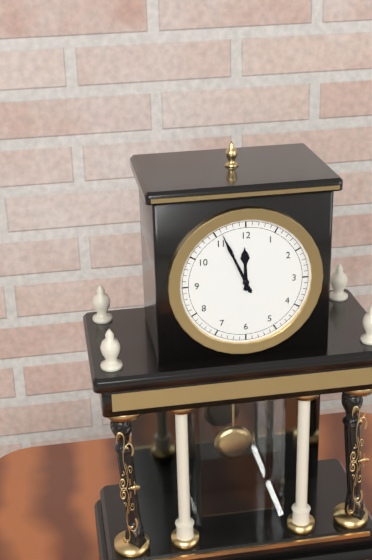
{"hour": 11, "minute": 56}
